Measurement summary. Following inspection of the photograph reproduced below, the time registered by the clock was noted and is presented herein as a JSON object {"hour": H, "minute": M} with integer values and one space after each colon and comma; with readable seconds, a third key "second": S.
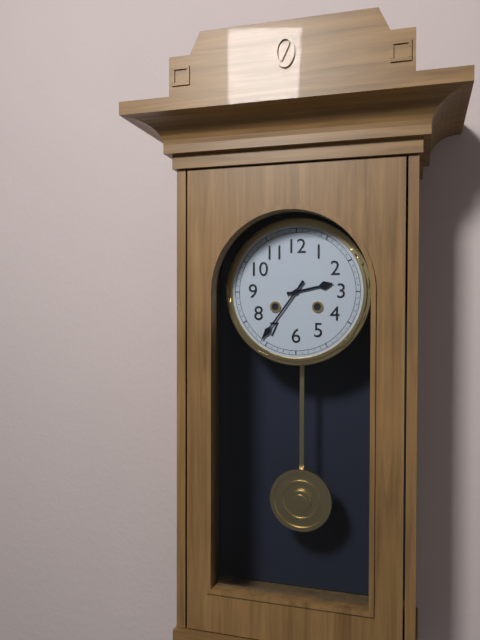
{"hour": 2, "minute": 36}
